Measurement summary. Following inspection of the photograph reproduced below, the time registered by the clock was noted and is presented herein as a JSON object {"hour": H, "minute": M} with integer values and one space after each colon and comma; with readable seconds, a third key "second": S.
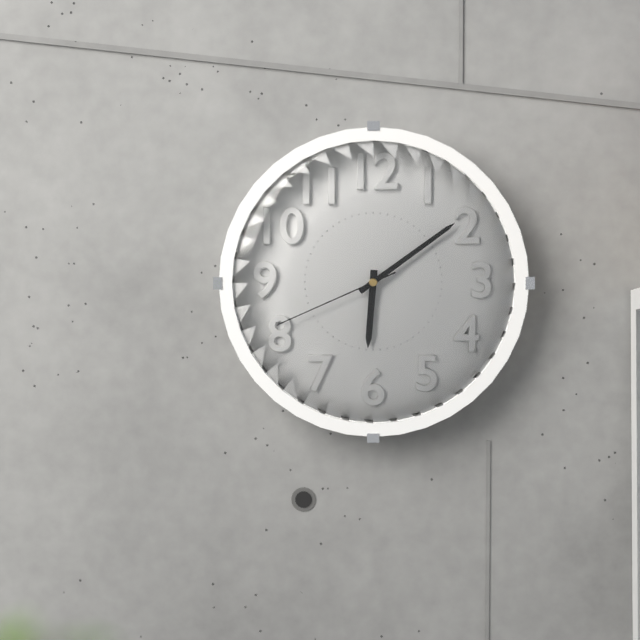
{"hour": 6, "minute": 9, "second": 41}
